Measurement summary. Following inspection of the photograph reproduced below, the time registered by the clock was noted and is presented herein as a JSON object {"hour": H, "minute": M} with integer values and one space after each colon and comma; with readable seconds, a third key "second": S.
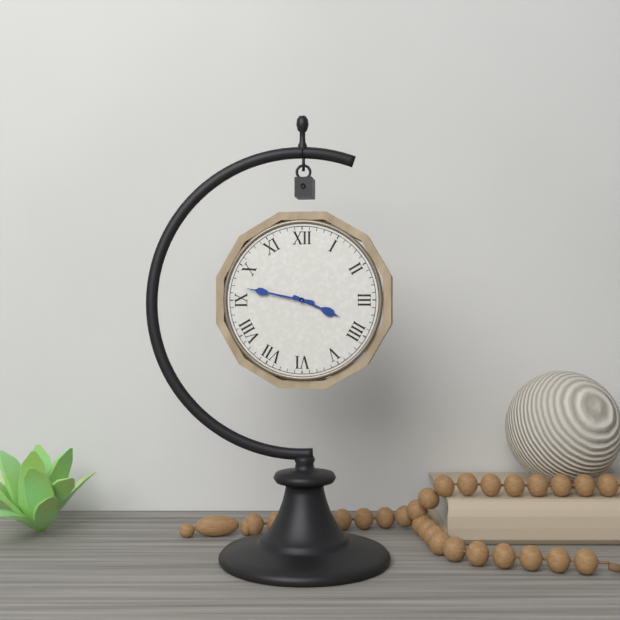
{"hour": 3, "minute": 47}
